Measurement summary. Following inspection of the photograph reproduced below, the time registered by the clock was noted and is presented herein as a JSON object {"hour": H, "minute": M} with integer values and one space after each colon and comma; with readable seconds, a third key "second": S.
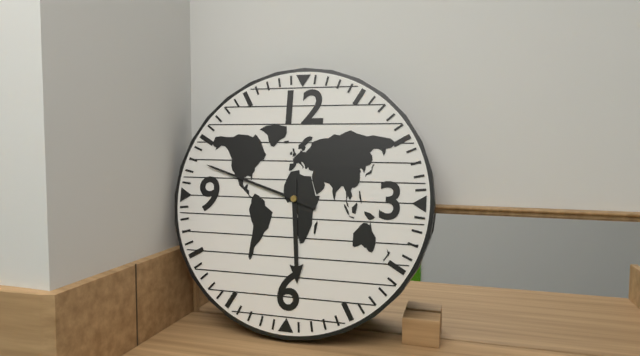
{"hour": 5, "minute": 48}
